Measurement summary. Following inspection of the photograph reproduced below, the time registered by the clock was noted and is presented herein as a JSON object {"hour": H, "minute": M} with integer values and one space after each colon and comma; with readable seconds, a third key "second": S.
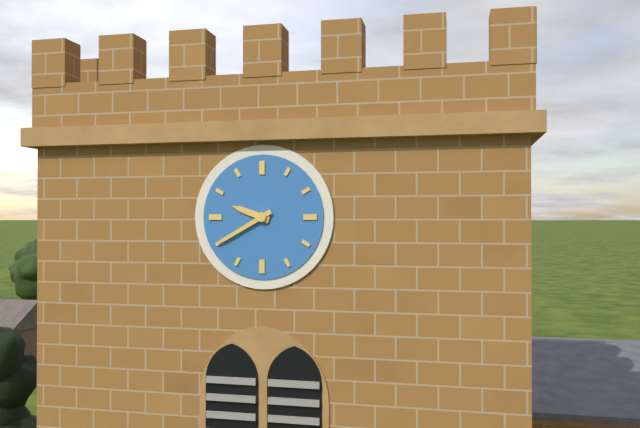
{"hour": 9, "minute": 40}
